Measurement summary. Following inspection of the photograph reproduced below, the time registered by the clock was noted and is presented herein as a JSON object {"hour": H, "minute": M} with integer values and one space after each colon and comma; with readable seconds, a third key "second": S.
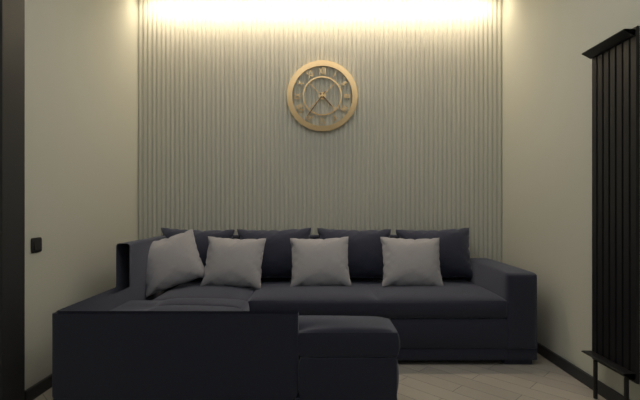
{"hour": 4, "minute": 36}
